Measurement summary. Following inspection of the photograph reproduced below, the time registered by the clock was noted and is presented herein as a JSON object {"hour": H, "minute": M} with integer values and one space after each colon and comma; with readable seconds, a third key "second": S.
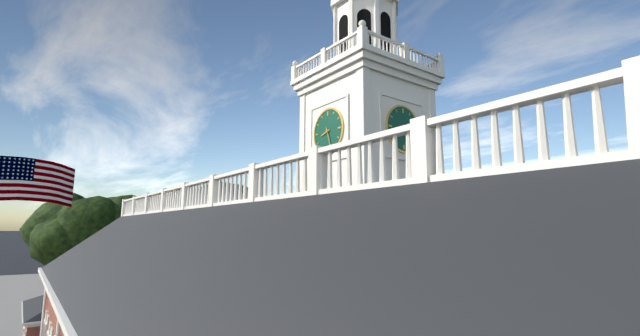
{"hour": 8, "minute": 27}
